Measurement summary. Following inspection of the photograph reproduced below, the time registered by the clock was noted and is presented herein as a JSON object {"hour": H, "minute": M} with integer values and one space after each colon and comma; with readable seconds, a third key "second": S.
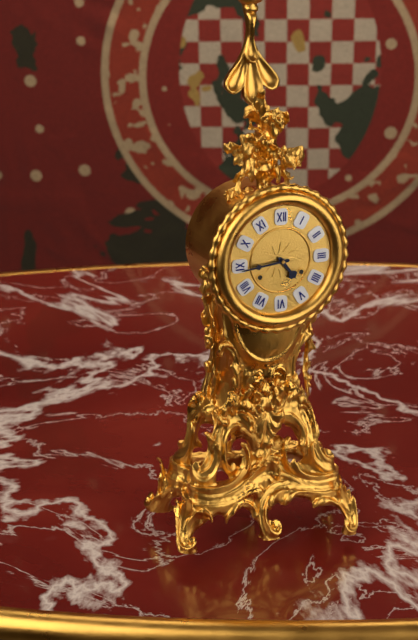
{"hour": 4, "minute": 44}
